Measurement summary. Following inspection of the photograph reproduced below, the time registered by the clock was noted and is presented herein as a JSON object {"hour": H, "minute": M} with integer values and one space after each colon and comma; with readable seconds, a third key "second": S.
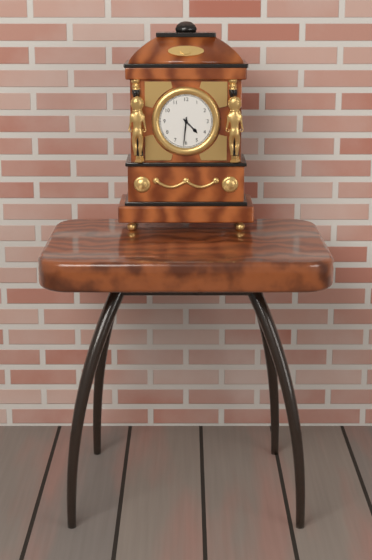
{"hour": 4, "minute": 31}
